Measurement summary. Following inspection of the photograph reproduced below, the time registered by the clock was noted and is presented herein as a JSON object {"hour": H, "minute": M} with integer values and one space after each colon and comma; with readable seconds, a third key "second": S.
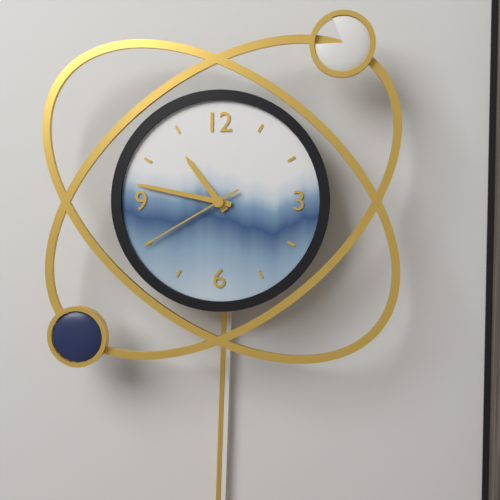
{"hour": 10, "minute": 47, "second": 40}
